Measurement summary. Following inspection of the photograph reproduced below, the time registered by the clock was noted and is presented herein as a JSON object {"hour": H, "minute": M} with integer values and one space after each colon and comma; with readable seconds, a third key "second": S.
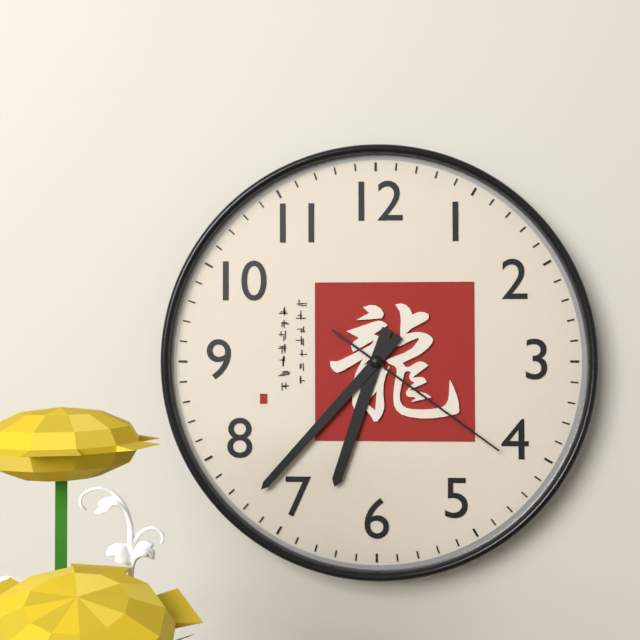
{"hour": 6, "minute": 37, "second": 21}
